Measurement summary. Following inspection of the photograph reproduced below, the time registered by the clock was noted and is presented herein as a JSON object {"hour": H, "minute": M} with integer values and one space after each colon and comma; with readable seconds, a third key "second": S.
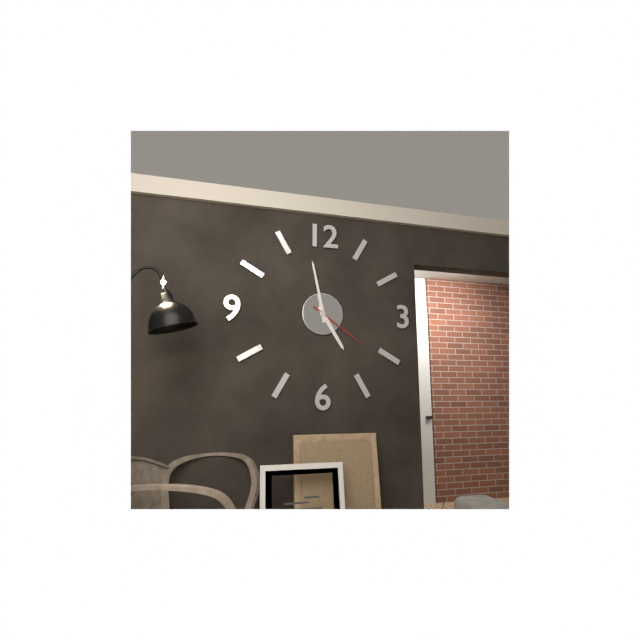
{"hour": 4, "minute": 58, "second": 21}
